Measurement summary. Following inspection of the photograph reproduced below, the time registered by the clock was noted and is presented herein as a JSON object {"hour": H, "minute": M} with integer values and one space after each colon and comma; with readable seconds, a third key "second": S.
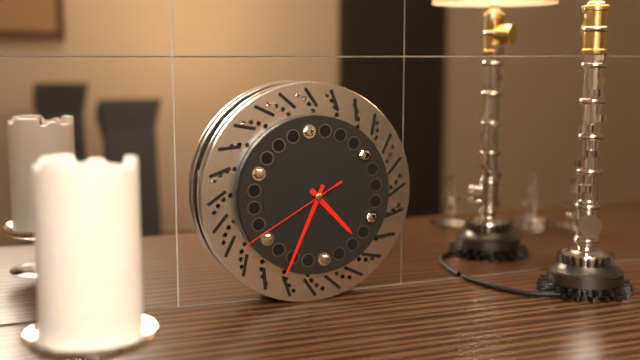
{"hour": 4, "minute": 34, "second": 40}
